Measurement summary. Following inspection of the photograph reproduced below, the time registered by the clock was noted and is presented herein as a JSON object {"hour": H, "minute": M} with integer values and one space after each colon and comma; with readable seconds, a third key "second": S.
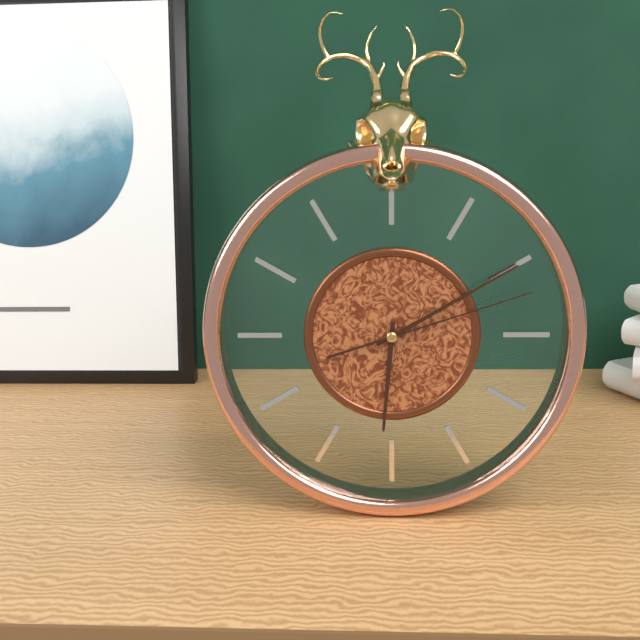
{"hour": 6, "minute": 10, "second": 12}
